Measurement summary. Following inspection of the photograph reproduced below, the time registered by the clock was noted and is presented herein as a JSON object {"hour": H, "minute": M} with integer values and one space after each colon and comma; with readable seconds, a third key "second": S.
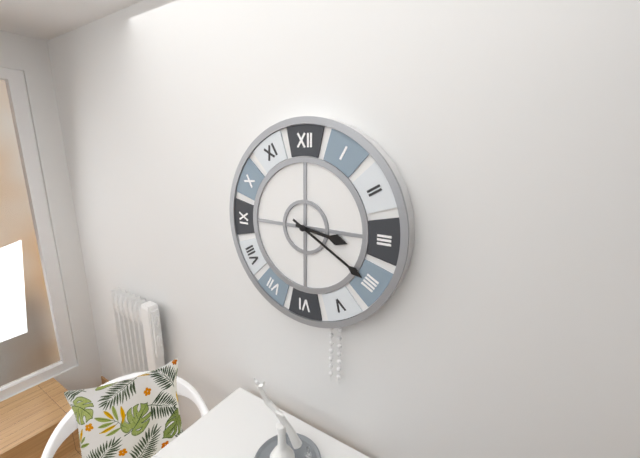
{"hour": 3, "minute": 20}
